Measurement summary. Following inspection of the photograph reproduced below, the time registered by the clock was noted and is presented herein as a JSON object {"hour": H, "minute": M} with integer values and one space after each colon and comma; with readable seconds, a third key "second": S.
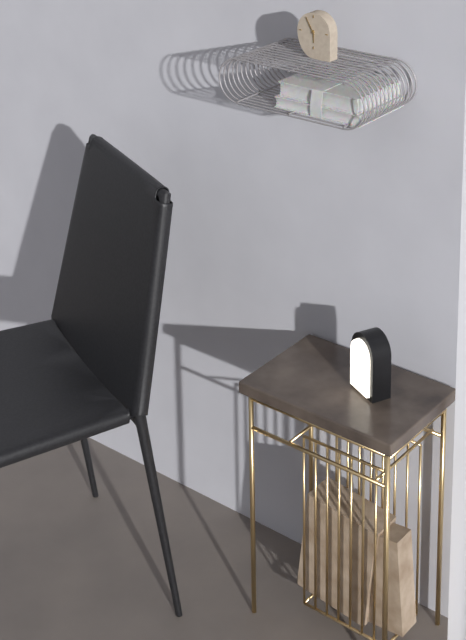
{"hour": 5, "minute": 55}
